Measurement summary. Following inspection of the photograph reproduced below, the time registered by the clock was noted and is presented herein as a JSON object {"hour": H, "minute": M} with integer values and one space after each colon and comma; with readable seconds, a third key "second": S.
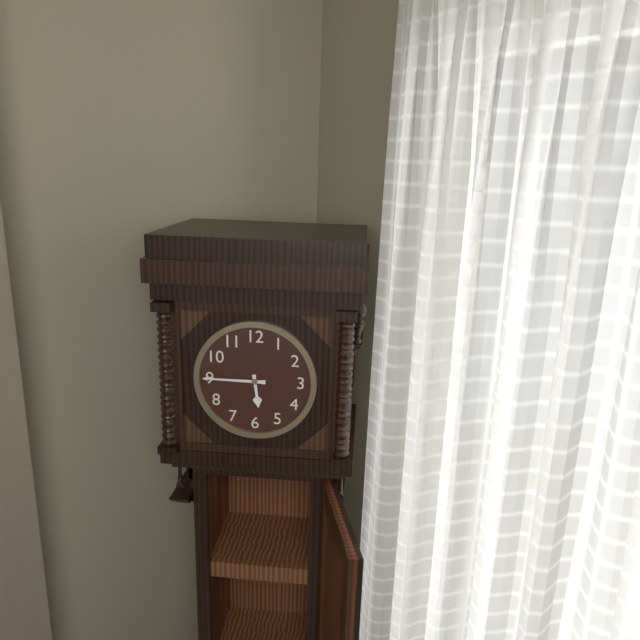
{"hour": 5, "minute": 45}
